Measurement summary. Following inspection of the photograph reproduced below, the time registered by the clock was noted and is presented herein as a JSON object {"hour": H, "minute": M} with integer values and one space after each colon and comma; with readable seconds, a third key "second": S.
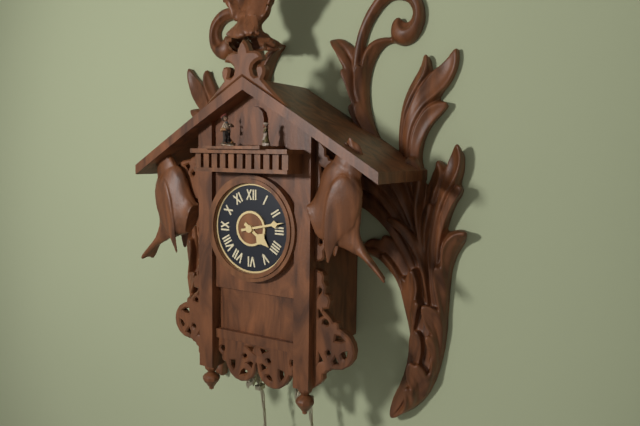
{"hour": 4, "minute": 13}
